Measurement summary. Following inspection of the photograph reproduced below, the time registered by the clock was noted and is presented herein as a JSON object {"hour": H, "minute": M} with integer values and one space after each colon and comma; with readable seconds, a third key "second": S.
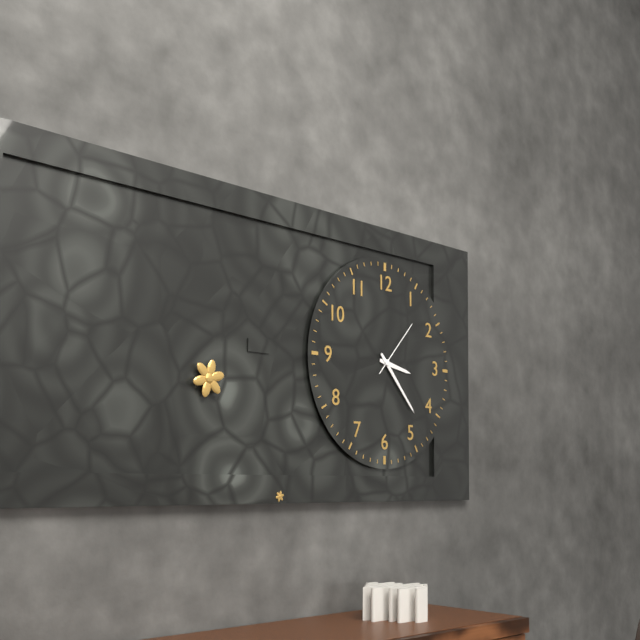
{"hour": 3, "minute": 23, "second": 7}
